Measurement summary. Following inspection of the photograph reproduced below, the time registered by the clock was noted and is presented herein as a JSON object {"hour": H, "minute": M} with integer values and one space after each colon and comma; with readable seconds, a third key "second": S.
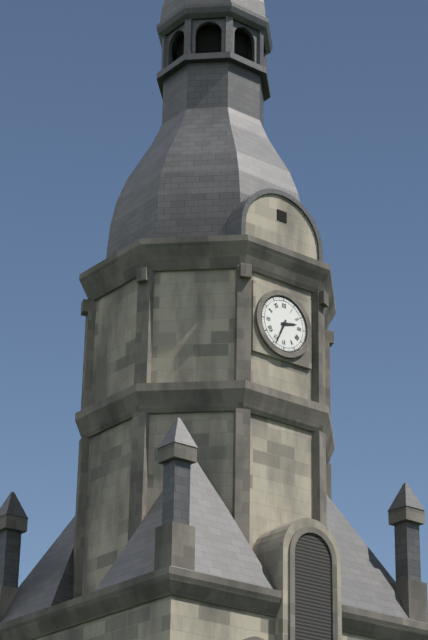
{"hour": 2, "minute": 34}
